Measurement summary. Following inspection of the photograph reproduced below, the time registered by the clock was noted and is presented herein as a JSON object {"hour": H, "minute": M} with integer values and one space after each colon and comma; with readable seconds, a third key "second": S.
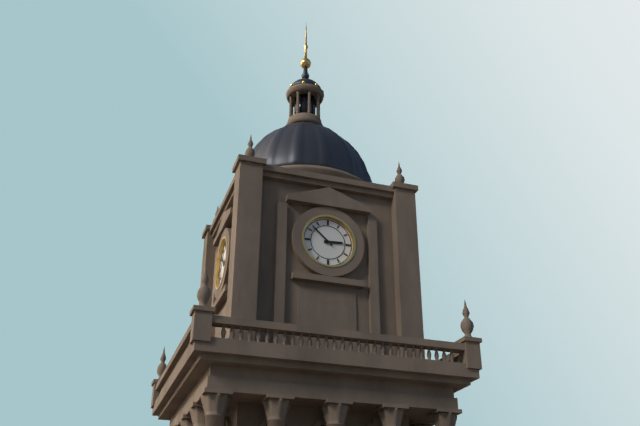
{"hour": 2, "minute": 52}
